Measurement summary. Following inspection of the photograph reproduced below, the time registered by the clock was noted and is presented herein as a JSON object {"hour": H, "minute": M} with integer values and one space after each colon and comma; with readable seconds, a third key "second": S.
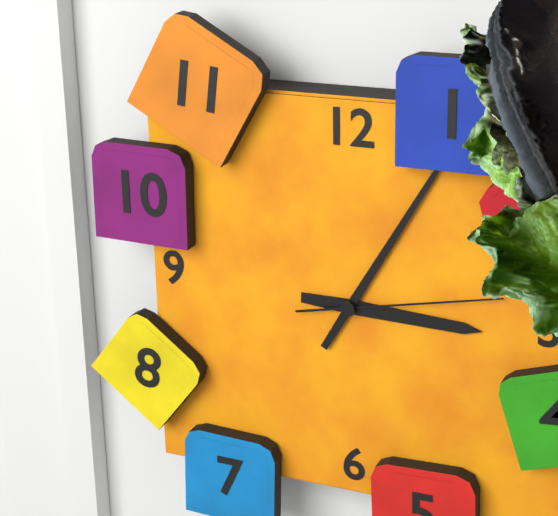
{"hour": 3, "minute": 5, "second": 13}
